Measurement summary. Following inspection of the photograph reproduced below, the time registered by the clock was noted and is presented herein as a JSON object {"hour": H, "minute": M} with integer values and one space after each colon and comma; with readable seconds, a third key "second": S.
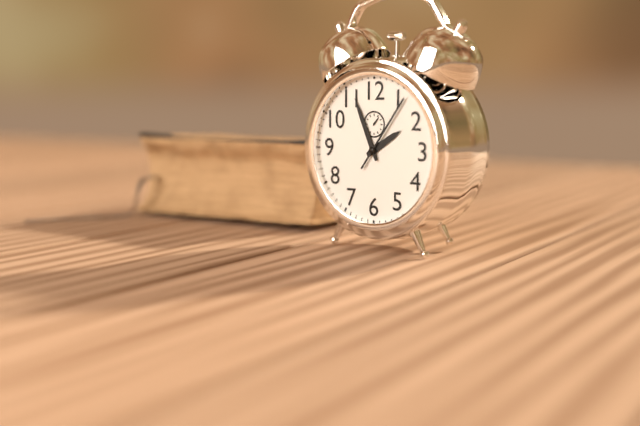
{"hour": 1, "minute": 56, "second": 6}
